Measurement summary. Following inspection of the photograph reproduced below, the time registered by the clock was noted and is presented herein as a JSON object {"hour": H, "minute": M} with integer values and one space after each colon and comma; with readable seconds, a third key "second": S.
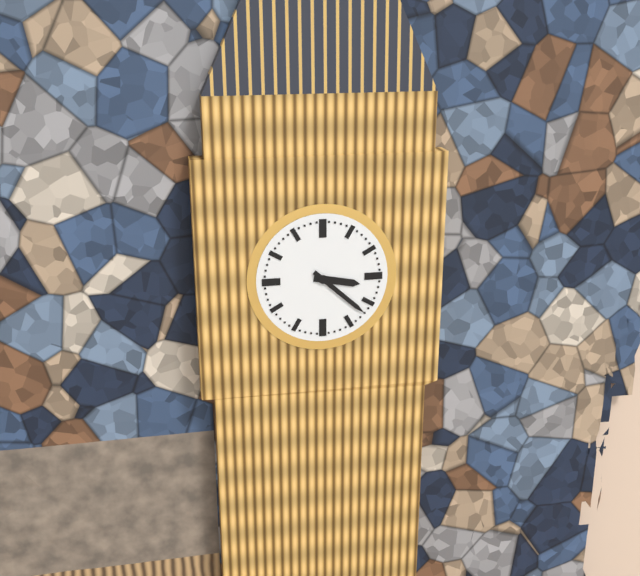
{"hour": 3, "minute": 22}
